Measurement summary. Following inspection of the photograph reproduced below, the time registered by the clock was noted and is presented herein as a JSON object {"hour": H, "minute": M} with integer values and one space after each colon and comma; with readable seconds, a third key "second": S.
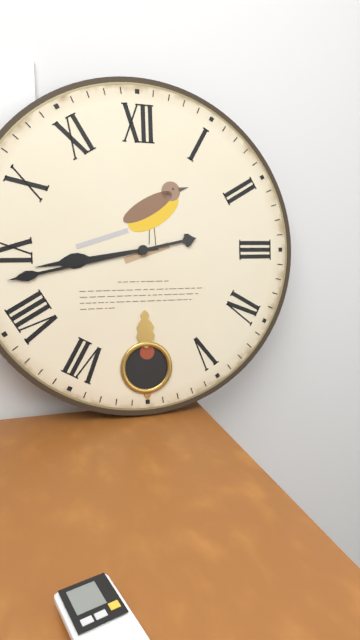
{"hour": 8, "minute": 43}
